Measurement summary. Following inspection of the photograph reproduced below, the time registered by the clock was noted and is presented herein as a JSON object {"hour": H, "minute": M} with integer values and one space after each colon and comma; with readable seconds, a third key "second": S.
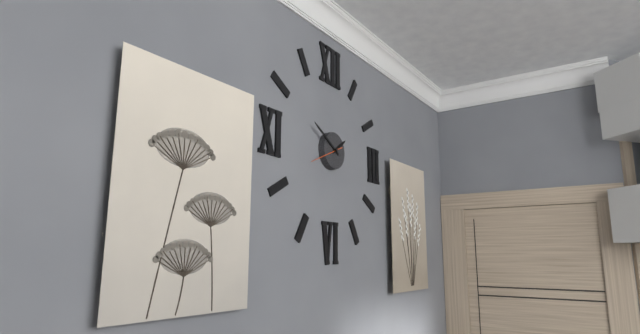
{"hour": 1, "minute": 50}
